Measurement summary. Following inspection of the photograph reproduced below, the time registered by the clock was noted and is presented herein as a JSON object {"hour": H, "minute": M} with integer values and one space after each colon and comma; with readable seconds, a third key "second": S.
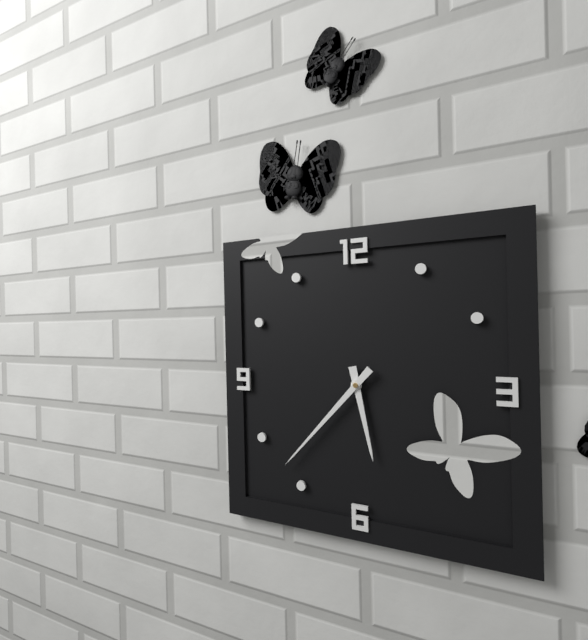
{"hour": 5, "minute": 37}
